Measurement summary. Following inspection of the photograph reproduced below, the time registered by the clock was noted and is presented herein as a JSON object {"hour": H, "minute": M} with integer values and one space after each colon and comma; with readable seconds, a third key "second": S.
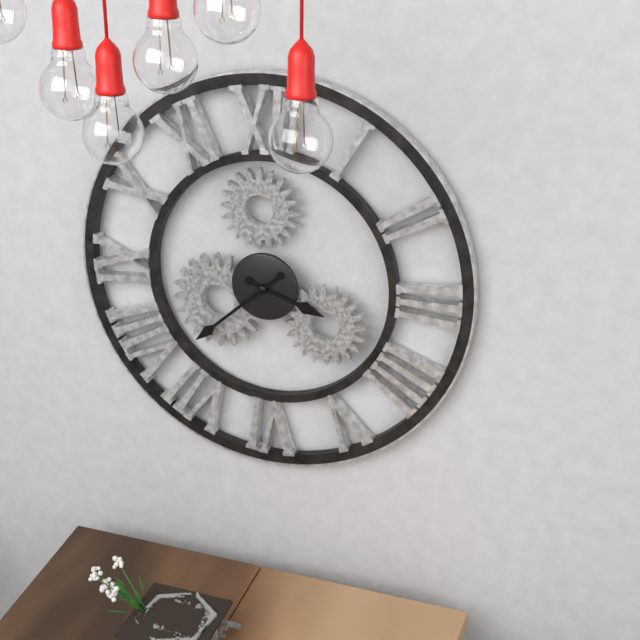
{"hour": 3, "minute": 38}
